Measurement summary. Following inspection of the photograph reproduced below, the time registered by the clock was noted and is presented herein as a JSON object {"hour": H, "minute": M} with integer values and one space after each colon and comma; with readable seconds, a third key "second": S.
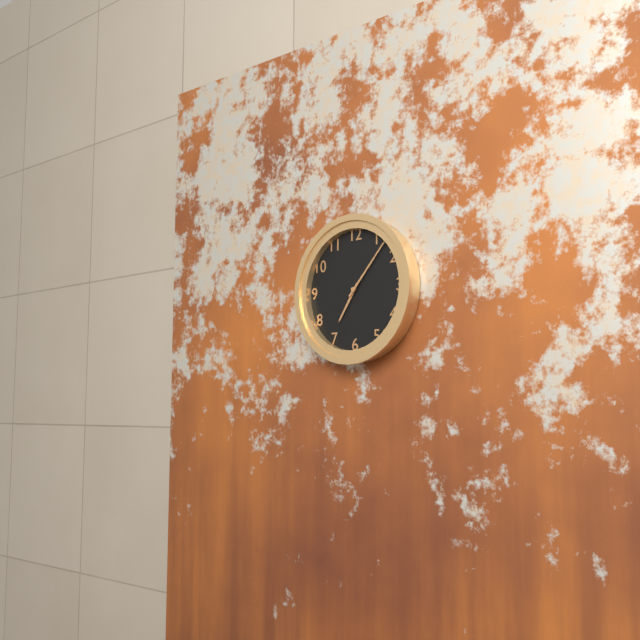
{"hour": 7, "minute": 7}
